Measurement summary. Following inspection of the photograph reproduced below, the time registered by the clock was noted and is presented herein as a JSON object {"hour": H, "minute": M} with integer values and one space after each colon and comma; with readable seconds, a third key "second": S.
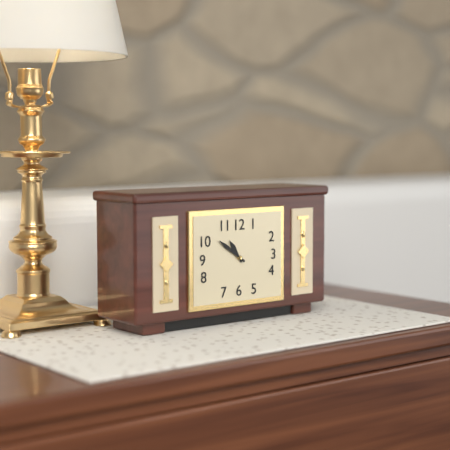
{"hour": 10, "minute": 51}
